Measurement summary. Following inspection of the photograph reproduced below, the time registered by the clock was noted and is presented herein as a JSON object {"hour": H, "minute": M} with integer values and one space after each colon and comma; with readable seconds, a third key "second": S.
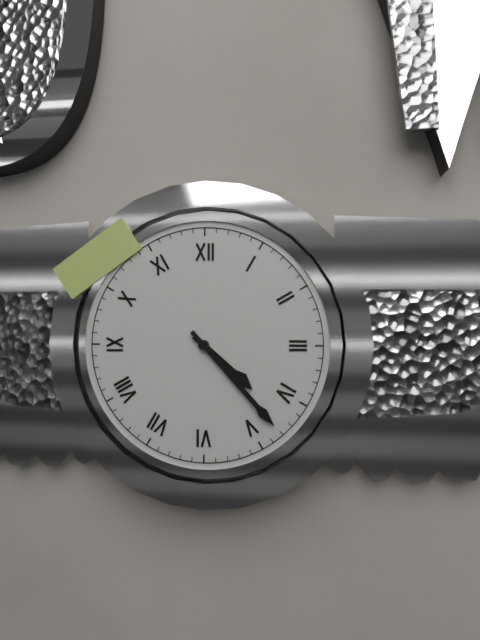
{"hour": 4, "minute": 23}
